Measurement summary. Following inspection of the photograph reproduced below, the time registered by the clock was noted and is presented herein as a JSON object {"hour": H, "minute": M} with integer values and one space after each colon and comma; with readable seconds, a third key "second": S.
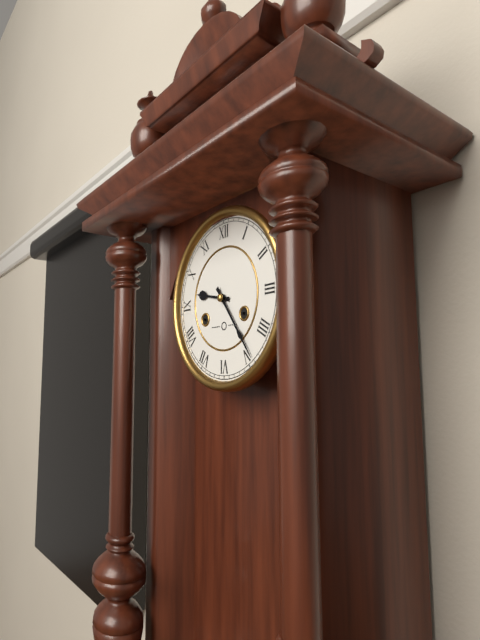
{"hour": 9, "minute": 24}
